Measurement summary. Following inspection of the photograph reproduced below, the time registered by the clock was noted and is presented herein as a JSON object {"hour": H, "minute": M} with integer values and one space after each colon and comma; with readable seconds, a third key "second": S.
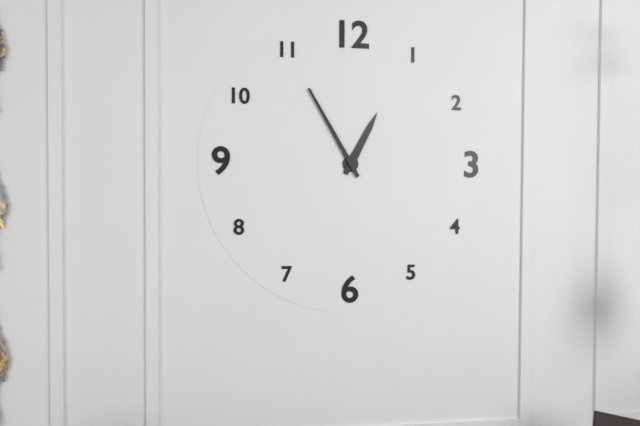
{"hour": 12, "minute": 55}
